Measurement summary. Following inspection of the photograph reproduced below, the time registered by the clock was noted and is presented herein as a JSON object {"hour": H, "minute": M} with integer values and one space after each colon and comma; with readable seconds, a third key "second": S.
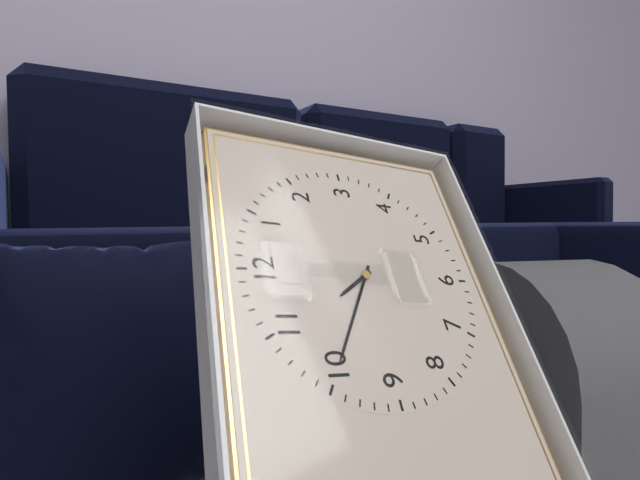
{"hour": 10, "minute": 50}
